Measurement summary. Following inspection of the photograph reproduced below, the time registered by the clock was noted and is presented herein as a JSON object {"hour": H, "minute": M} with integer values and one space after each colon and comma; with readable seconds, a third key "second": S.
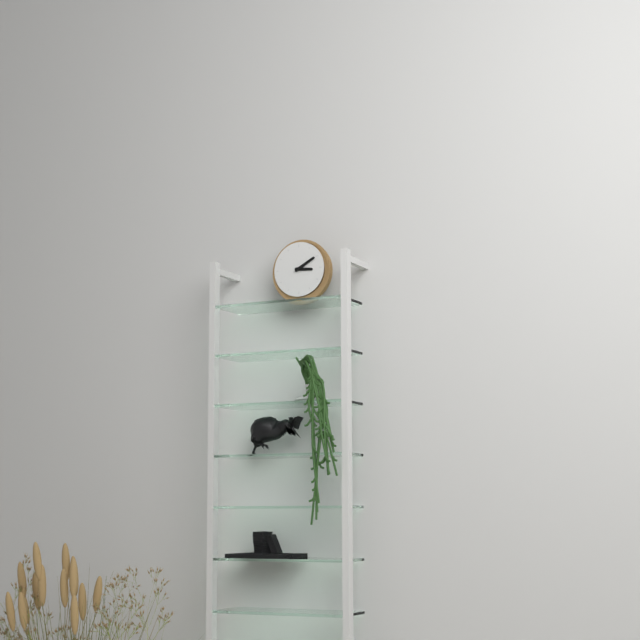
{"hour": 3, "minute": 10}
